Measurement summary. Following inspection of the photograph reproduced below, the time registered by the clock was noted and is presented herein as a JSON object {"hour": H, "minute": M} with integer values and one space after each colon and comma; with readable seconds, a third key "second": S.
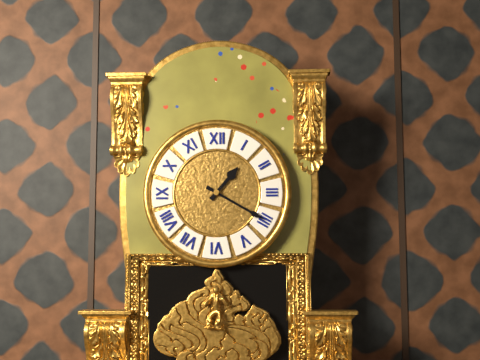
{"hour": 1, "minute": 20}
